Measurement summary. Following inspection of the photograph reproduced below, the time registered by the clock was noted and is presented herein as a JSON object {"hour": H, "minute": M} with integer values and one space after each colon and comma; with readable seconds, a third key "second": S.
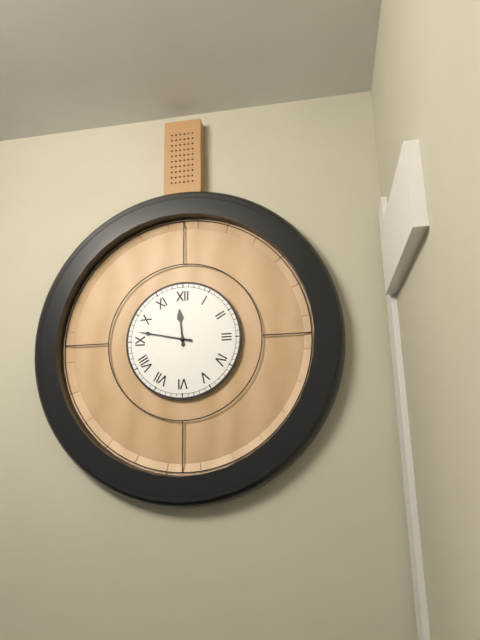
{"hour": 11, "minute": 47}
